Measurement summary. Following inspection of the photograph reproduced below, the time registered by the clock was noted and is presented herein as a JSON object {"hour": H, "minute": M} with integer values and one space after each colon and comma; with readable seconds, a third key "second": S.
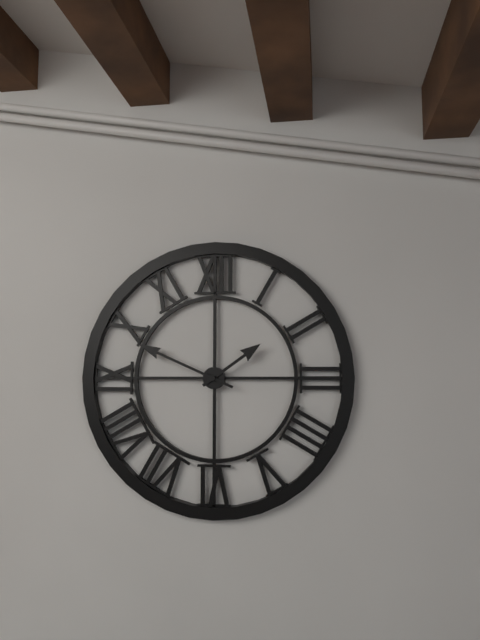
{"hour": 1, "minute": 49}
